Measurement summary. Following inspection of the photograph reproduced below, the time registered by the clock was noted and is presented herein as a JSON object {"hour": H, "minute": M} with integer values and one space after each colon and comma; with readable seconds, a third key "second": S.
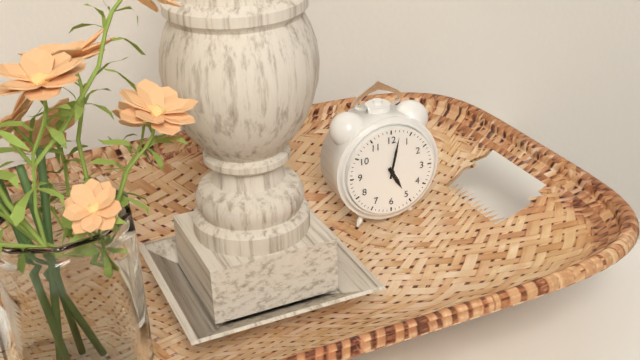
{"hour": 5, "minute": 2}
